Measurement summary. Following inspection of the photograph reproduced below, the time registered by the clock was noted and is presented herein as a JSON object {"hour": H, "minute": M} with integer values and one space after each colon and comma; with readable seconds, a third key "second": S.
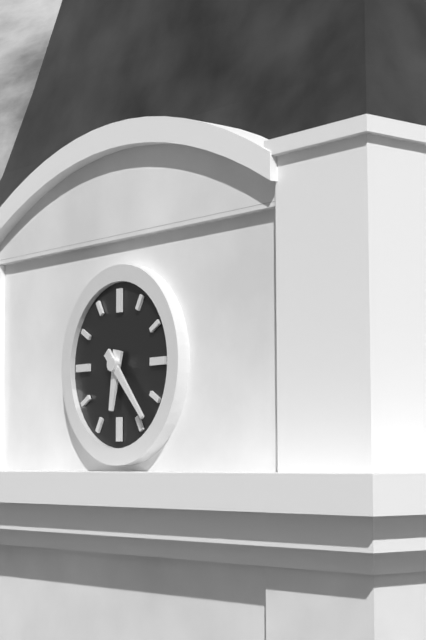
{"hour": 6, "minute": 23}
